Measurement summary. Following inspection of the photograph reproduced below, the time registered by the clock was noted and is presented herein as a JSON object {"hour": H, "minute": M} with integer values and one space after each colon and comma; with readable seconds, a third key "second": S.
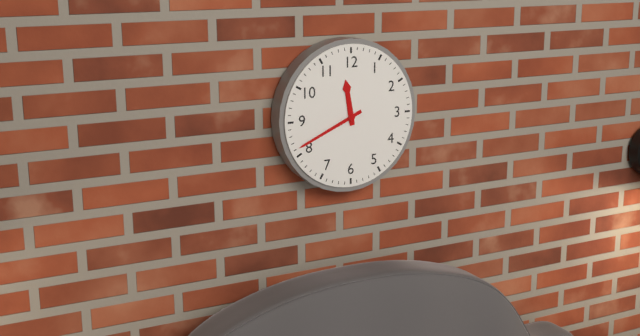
{"hour": 11, "minute": 41}
